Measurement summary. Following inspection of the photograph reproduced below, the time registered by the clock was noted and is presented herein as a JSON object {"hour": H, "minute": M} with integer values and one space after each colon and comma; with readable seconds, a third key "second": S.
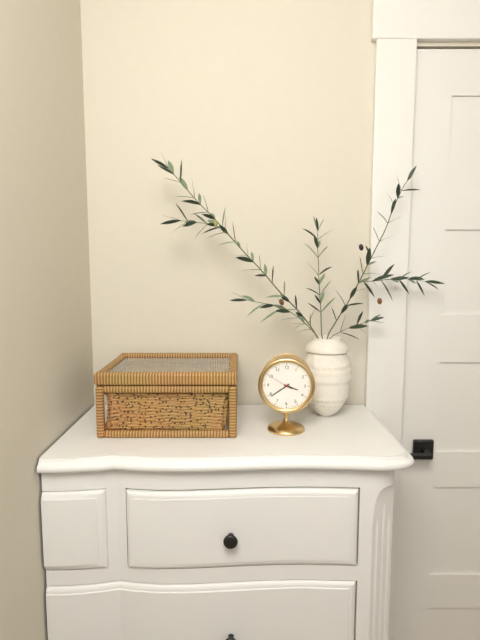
{"hour": 3, "minute": 39}
